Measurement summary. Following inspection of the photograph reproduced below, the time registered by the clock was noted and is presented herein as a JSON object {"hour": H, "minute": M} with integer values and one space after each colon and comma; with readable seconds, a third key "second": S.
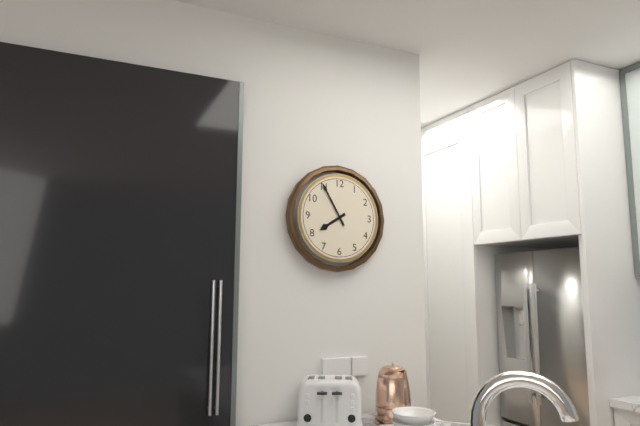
{"hour": 7, "minute": 55}
